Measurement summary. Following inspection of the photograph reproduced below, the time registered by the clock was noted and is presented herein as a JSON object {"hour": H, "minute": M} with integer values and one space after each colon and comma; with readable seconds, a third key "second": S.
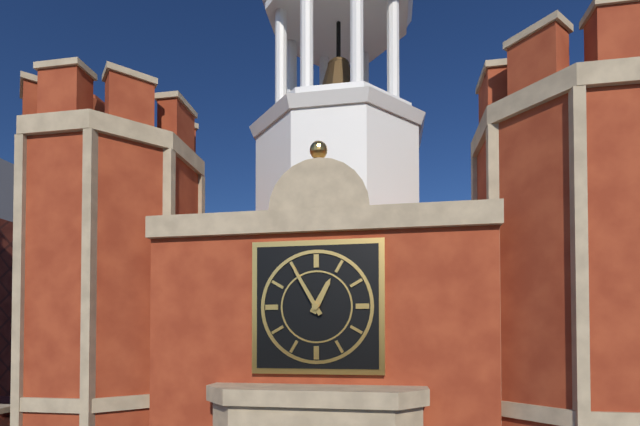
{"hour": 12, "minute": 55}
